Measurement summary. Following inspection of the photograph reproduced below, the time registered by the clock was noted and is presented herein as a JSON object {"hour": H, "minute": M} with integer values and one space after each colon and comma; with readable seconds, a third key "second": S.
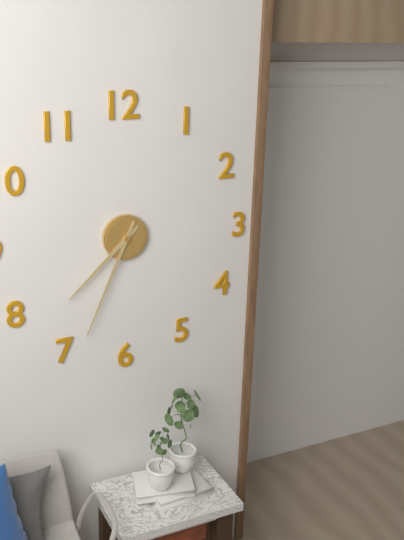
{"hour": 7, "minute": 34}
